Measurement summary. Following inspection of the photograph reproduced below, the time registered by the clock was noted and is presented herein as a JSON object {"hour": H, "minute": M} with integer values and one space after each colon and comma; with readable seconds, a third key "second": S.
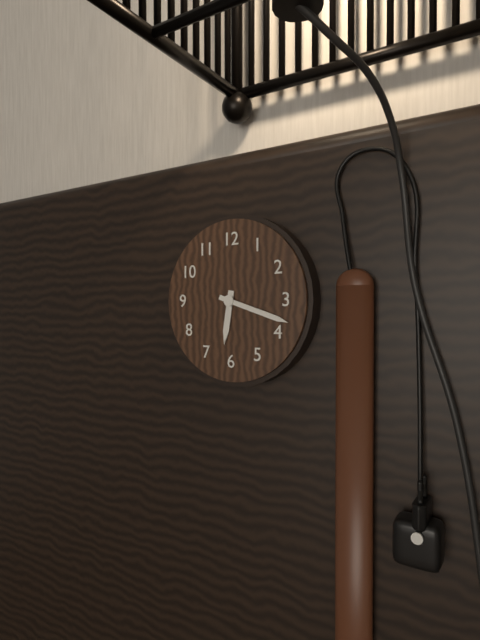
{"hour": 6, "minute": 18}
